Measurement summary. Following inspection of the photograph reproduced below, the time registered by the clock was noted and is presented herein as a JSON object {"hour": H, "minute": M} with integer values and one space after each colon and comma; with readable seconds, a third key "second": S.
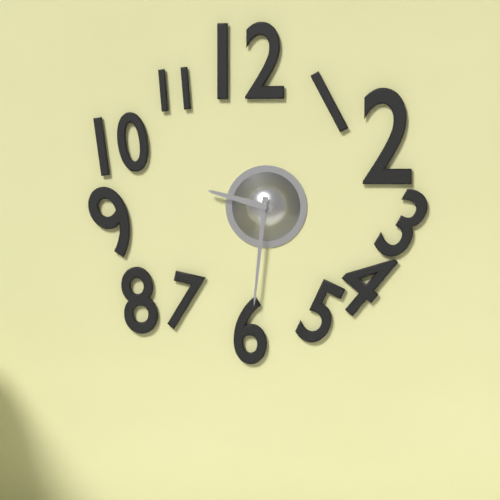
{"hour": 9, "minute": 31}
